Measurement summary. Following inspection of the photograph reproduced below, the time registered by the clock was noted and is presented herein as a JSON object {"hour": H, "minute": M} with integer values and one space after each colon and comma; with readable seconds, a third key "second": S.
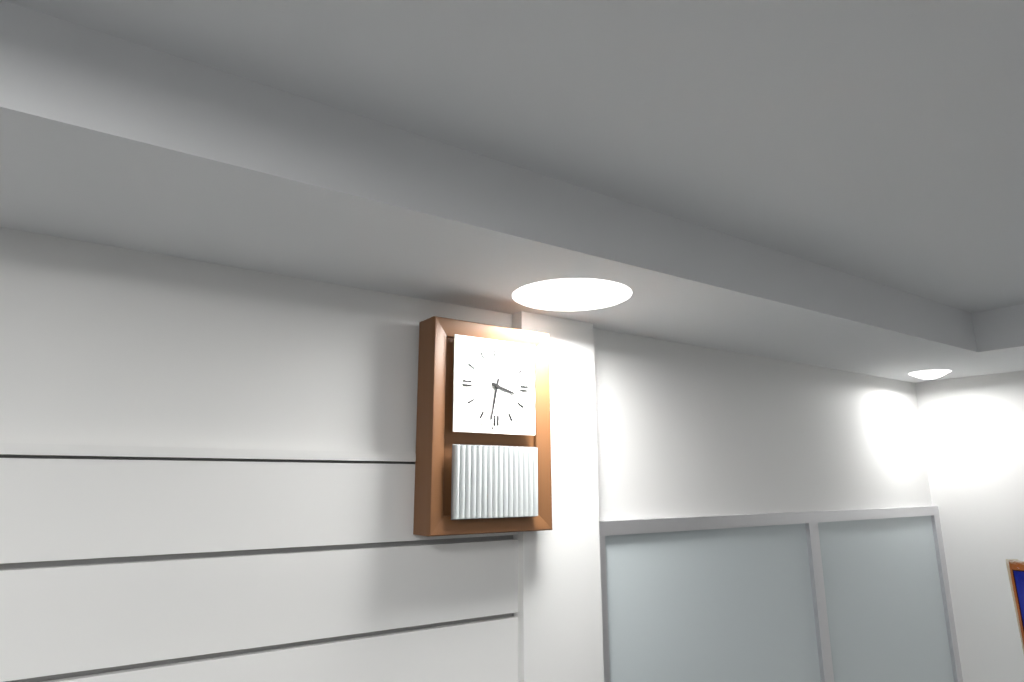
{"hour": 3, "minute": 32}
